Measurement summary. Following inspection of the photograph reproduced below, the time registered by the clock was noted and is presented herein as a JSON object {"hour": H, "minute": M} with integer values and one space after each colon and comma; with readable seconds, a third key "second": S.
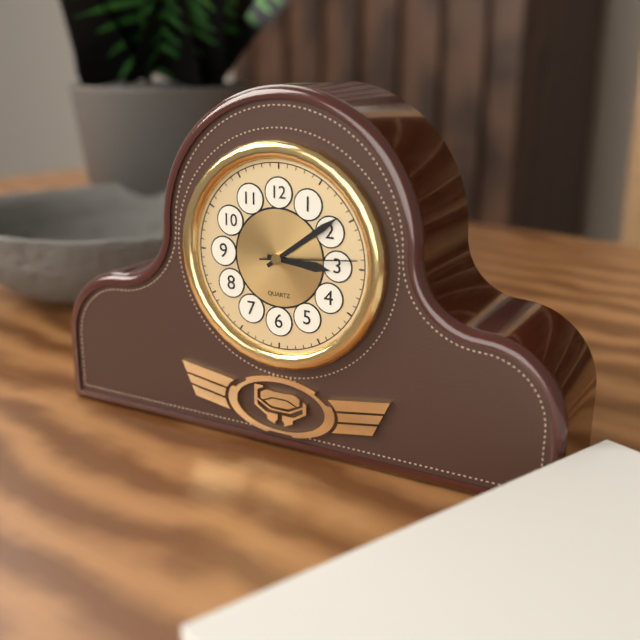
{"hour": 3, "minute": 9, "second": 14}
